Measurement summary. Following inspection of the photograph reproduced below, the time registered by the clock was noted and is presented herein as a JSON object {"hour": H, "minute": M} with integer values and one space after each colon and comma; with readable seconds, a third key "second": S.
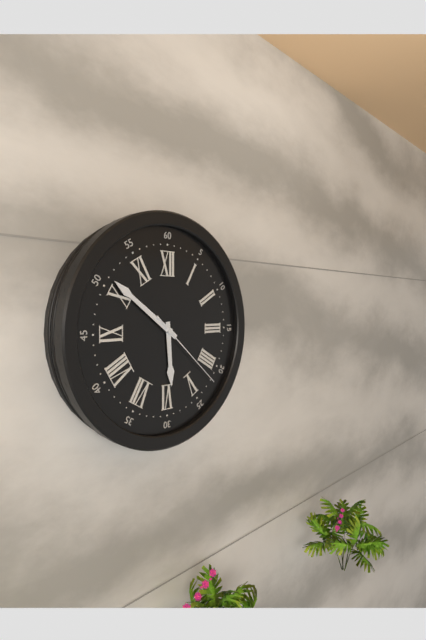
{"hour": 5, "minute": 51, "second": 22}
